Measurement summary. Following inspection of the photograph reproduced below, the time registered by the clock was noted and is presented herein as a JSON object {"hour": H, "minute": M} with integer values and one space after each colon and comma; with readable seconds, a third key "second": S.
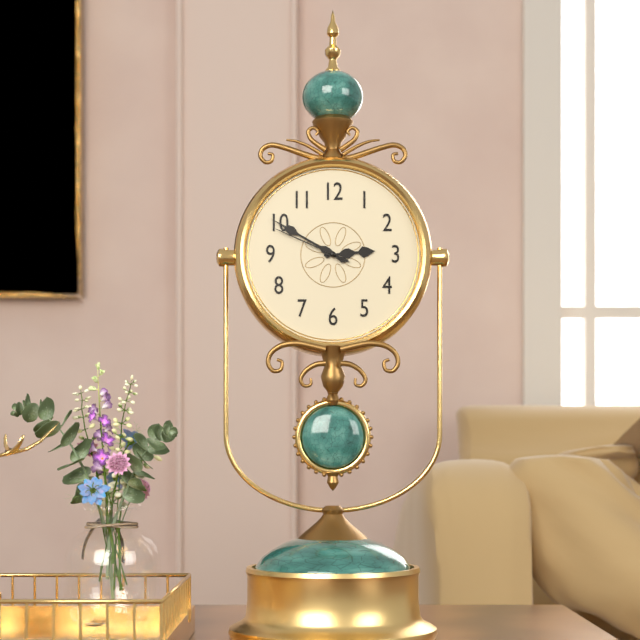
{"hour": 2, "minute": 50, "second": 49}
